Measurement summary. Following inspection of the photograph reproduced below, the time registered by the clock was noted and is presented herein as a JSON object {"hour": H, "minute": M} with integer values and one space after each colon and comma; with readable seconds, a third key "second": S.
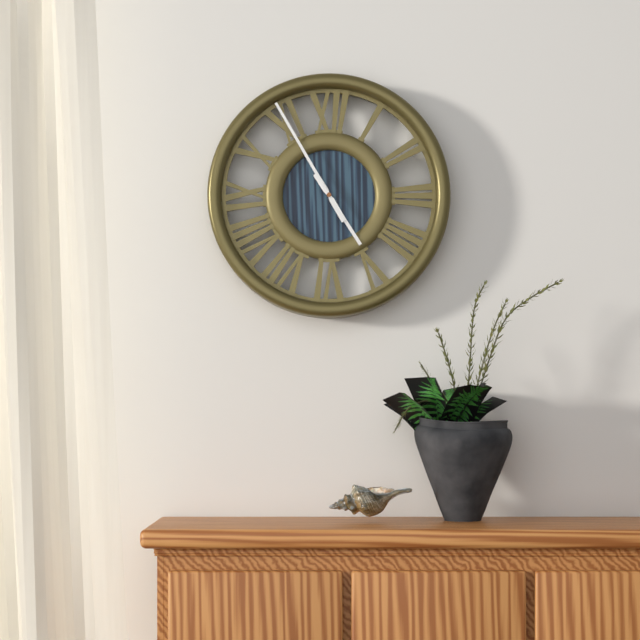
{"hour": 4, "minute": 55}
